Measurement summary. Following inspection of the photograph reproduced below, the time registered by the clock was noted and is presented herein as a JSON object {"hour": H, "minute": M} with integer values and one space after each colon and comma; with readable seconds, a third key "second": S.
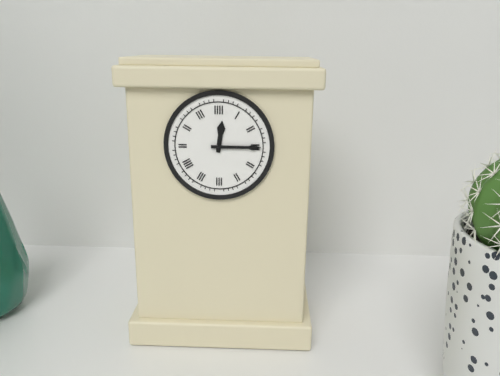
{"hour": 12, "minute": 15}
